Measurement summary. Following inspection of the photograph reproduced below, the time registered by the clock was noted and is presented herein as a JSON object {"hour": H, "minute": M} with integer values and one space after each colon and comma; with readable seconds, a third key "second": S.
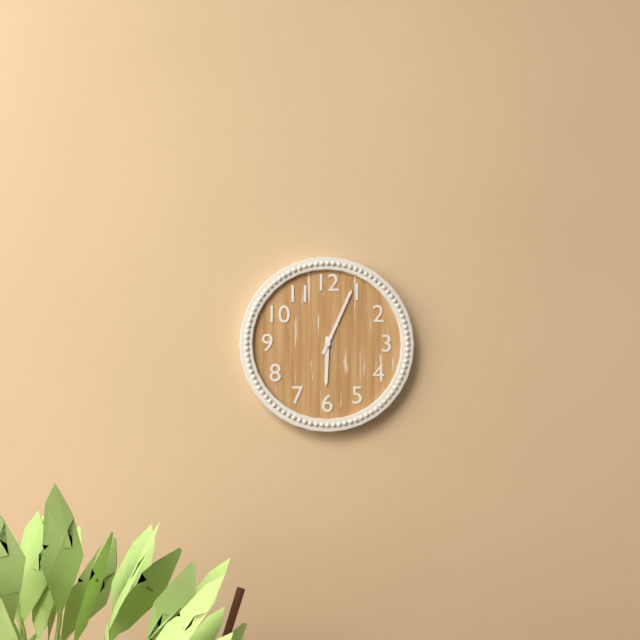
{"hour": 6, "minute": 4}
